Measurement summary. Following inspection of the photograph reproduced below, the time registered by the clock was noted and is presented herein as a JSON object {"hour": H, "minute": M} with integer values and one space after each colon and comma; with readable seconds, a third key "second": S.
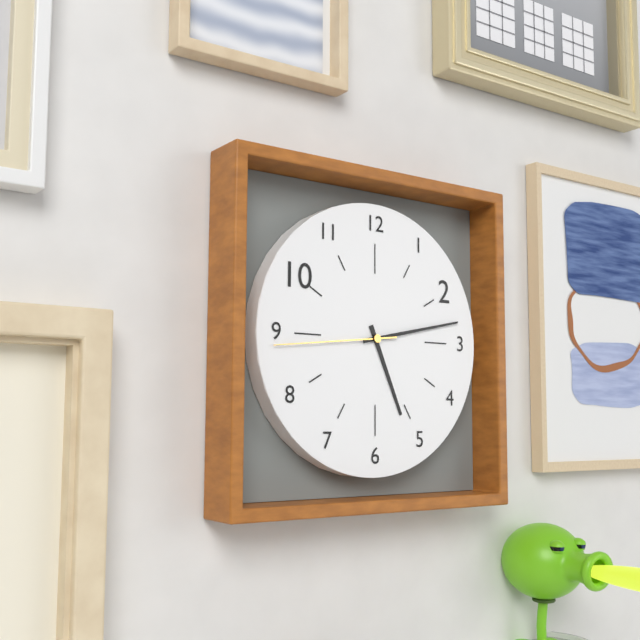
{"hour": 5, "minute": 13, "second": 44}
